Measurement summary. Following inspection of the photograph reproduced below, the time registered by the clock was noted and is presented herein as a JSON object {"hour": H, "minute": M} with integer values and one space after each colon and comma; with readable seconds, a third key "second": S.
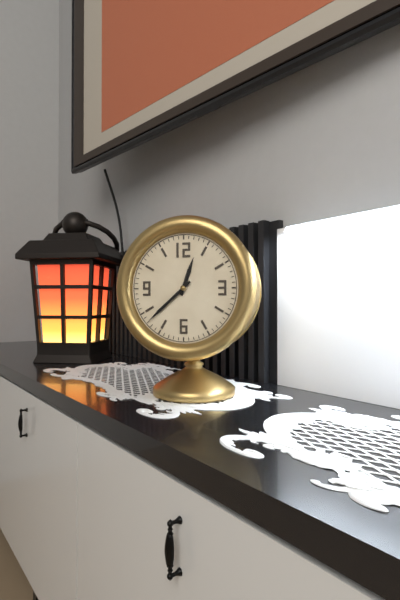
{"hour": 12, "minute": 38}
